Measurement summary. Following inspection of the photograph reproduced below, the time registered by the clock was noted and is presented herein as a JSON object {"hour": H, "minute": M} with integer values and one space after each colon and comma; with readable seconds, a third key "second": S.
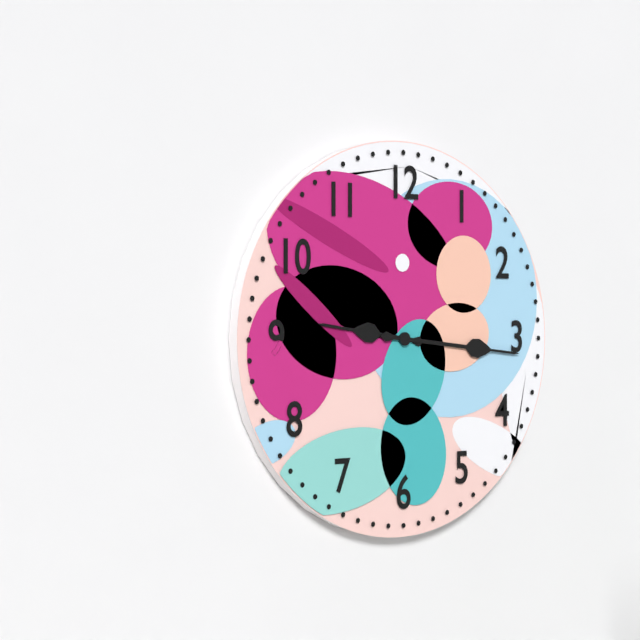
{"hour": 9, "minute": 16}
